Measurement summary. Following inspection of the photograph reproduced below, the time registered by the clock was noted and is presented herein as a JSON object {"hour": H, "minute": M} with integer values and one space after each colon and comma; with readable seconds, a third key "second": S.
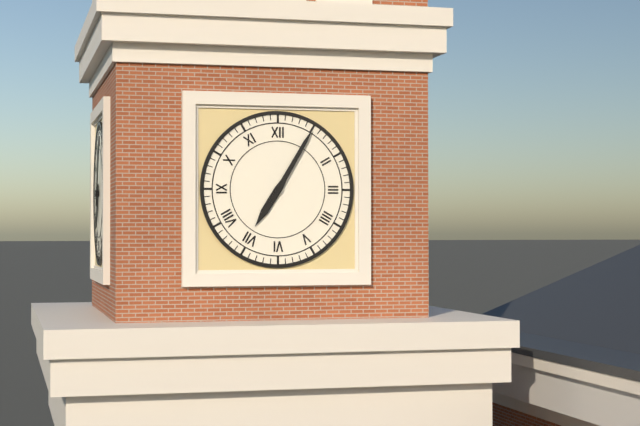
{"hour": 7, "minute": 5}
